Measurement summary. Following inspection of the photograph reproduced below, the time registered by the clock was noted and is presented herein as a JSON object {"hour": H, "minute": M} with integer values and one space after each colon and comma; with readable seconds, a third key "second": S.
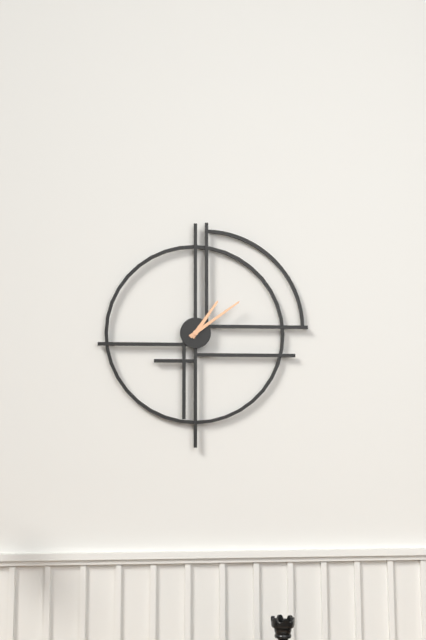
{"hour": 1, "minute": 9}
